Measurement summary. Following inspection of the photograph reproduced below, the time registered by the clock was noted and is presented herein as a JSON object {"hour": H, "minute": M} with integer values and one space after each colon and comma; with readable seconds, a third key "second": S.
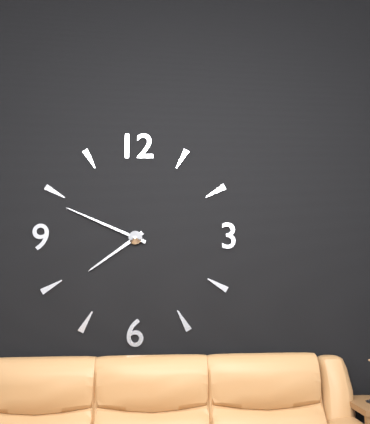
{"hour": 7, "minute": 49}
